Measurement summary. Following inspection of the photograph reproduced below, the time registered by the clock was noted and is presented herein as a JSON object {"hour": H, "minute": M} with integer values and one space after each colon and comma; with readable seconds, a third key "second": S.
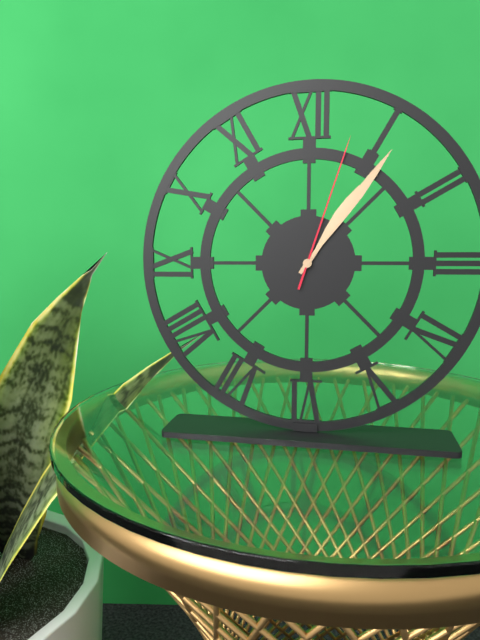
{"hour": 1, "minute": 6, "second": 3}
